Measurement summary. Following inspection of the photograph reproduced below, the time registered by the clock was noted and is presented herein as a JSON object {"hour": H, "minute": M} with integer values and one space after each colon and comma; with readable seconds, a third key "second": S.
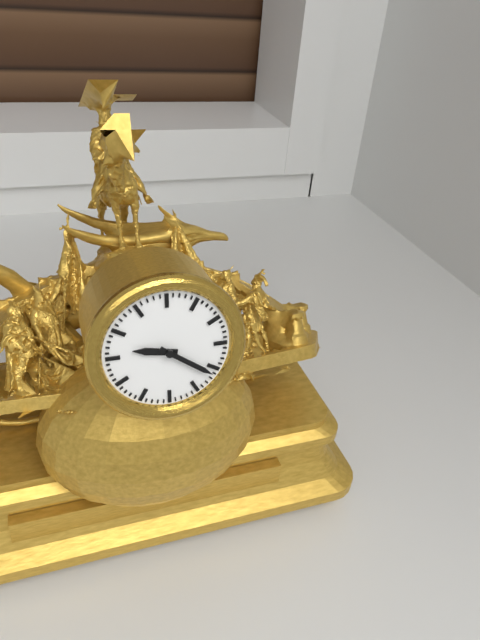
{"hour": 9, "minute": 21}
